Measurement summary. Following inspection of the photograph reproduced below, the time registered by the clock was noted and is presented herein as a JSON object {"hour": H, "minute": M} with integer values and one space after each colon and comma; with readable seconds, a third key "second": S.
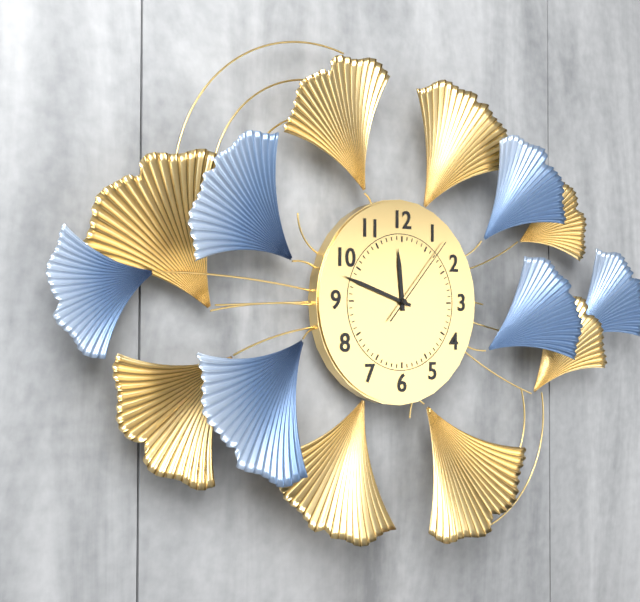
{"hour": 11, "minute": 48, "second": 7}
